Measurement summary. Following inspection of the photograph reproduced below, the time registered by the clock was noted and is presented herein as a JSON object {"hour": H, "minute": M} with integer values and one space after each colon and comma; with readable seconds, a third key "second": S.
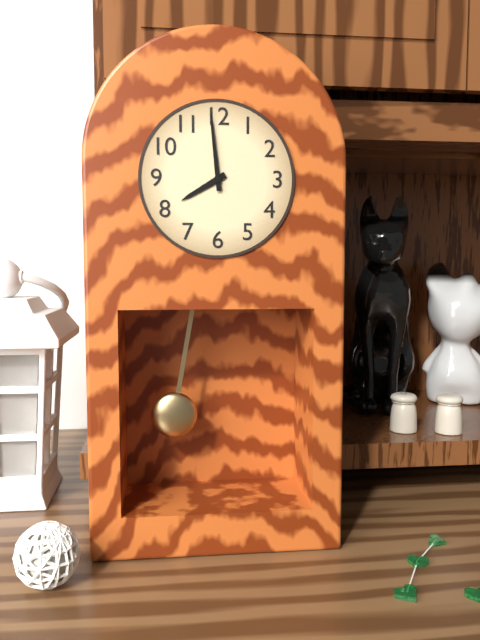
{"hour": 7, "minute": 59}
